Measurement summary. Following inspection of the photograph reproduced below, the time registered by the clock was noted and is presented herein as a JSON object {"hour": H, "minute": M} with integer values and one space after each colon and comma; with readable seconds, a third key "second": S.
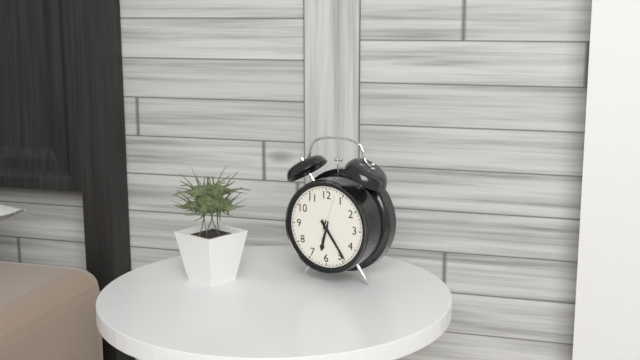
{"hour": 6, "minute": 24}
